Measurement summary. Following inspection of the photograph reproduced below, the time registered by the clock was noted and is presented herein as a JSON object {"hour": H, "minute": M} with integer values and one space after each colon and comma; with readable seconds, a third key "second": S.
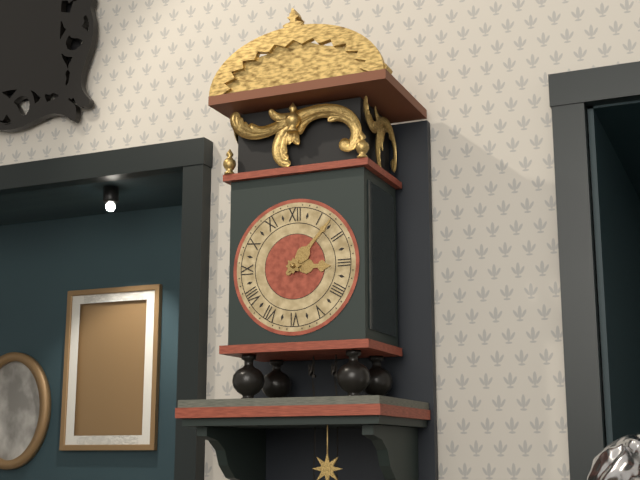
{"hour": 3, "minute": 7}
